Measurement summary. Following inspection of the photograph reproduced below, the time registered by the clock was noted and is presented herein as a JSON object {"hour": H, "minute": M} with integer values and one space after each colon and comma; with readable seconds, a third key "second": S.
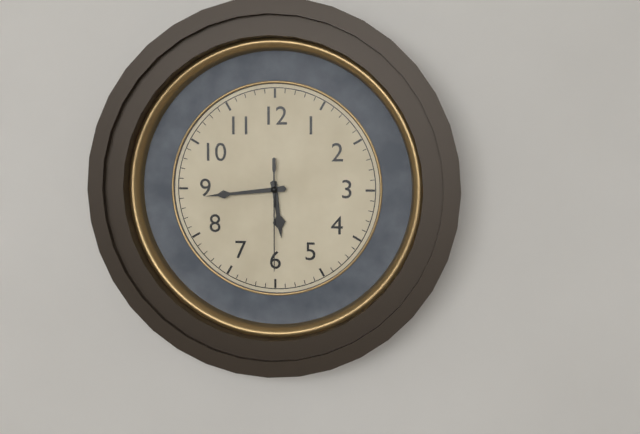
{"hour": 5, "minute": 44, "second": 30}
